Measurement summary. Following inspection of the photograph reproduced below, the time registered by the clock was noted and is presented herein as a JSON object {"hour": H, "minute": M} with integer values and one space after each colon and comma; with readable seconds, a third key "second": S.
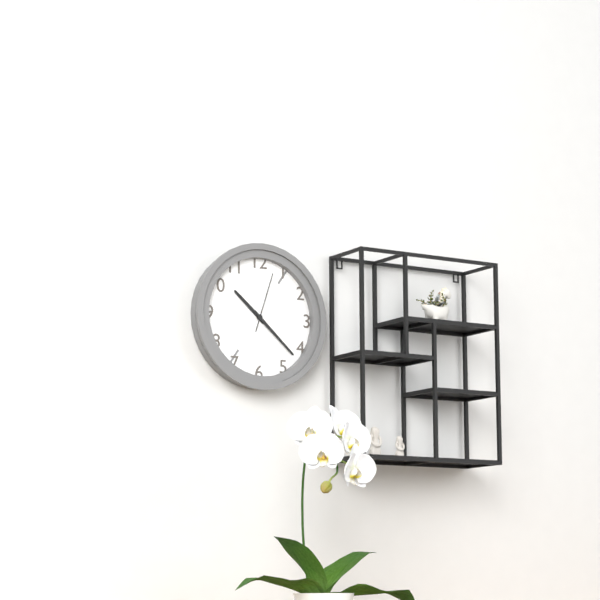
{"hour": 10, "minute": 22, "second": 3}
